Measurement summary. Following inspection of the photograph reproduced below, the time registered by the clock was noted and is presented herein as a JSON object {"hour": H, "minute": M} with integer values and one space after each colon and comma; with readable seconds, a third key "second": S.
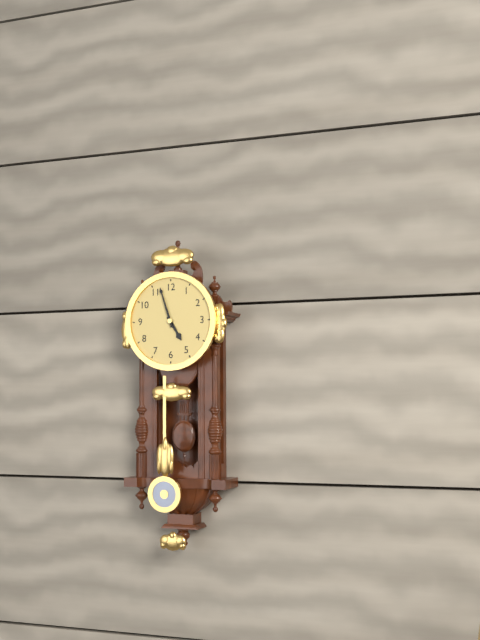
{"hour": 4, "minute": 57}
